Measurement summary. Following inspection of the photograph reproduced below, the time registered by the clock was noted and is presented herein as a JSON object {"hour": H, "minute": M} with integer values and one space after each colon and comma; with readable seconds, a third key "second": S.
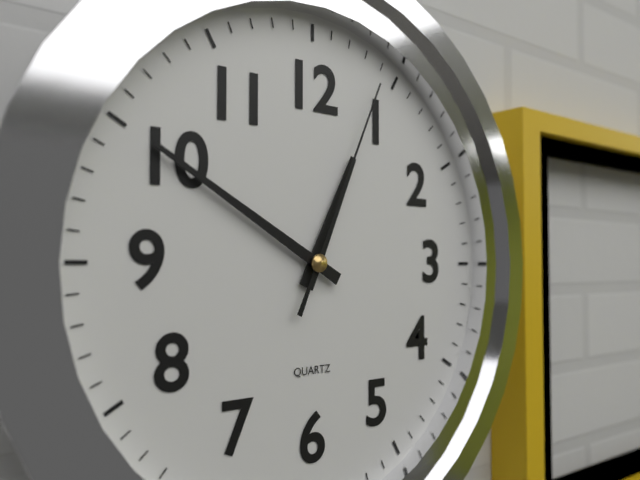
{"hour": 12, "minute": 50, "second": 4}
